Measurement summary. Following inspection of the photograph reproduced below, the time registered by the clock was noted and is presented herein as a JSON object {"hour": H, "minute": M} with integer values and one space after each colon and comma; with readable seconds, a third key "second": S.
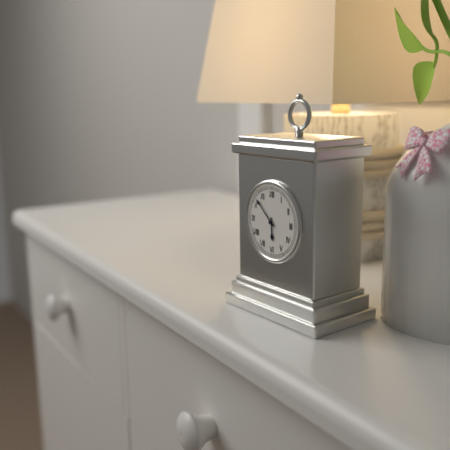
{"hour": 5, "minute": 52}
